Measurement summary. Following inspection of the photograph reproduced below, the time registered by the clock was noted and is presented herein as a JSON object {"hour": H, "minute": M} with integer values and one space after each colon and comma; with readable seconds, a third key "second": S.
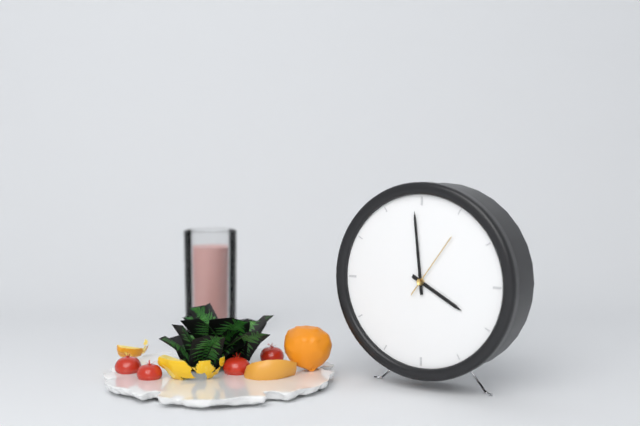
{"hour": 3, "minute": 59, "second": 6}
